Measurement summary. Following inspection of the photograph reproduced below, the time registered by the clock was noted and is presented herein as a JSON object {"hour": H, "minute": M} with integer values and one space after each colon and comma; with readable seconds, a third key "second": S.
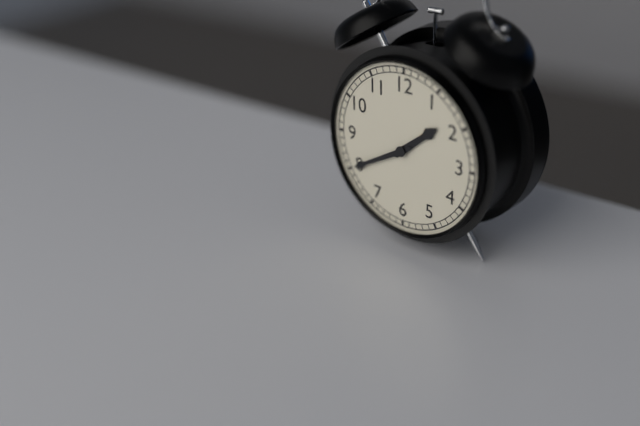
{"hour": 1, "minute": 40}
